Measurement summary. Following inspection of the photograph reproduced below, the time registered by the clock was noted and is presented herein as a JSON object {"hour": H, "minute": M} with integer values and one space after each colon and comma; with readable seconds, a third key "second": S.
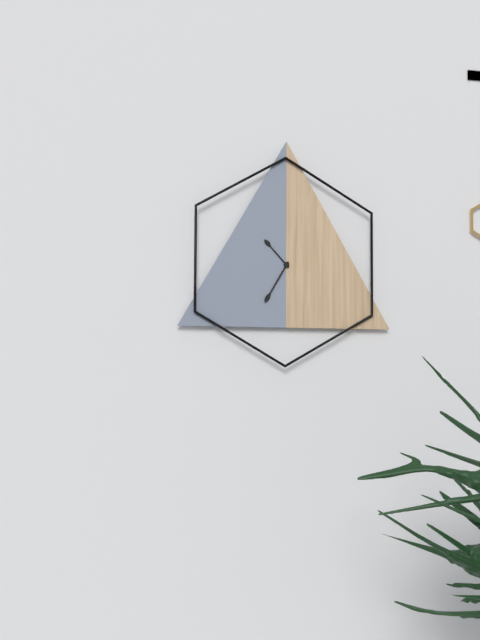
{"hour": 10, "minute": 35}
